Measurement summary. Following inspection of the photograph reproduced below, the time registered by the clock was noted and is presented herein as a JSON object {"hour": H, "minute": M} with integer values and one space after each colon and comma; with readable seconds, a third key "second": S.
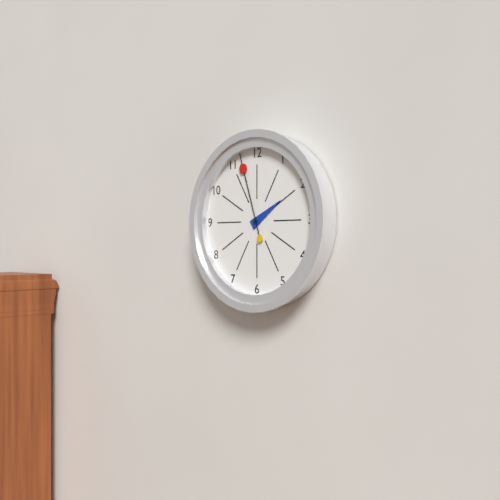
{"hour": 1, "minute": 57}
